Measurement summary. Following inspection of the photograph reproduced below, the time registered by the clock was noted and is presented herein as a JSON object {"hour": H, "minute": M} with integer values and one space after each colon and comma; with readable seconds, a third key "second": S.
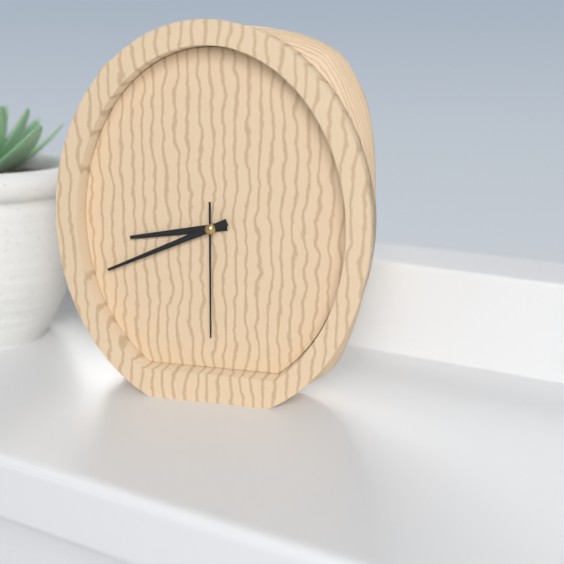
{"hour": 8, "minute": 41, "second": 30}
